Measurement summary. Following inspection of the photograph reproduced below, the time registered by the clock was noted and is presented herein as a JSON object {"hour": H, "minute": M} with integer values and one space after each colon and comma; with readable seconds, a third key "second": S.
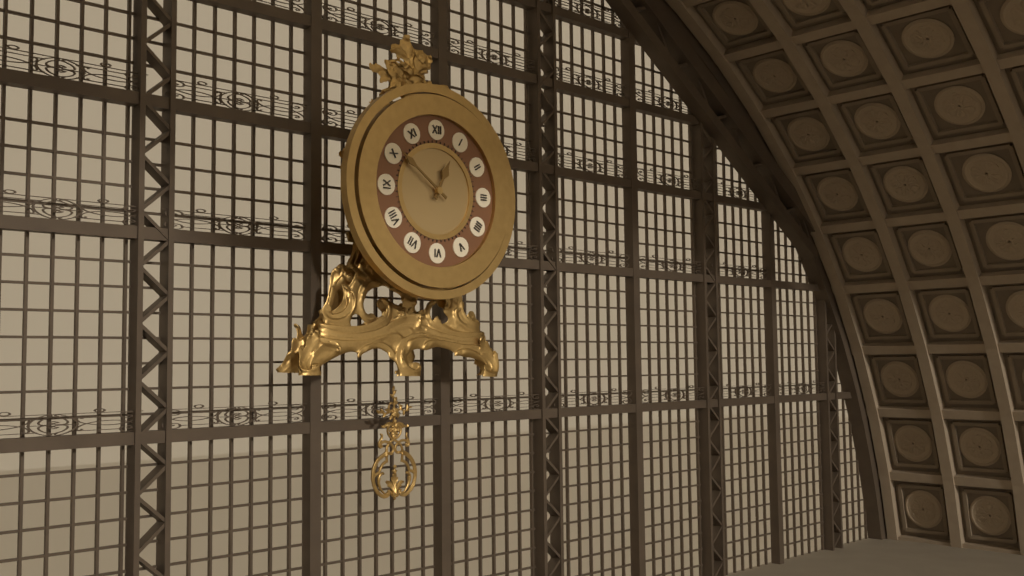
{"hour": 12, "minute": 51}
